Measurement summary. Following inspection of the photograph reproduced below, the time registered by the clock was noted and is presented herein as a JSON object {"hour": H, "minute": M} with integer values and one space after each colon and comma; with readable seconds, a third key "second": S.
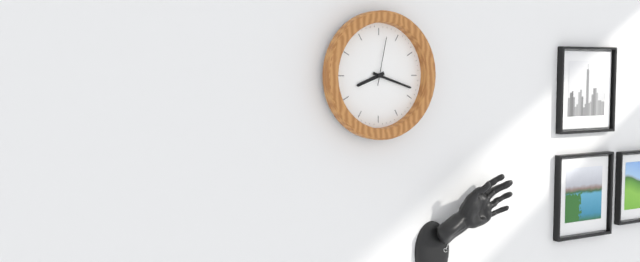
{"hour": 8, "minute": 18}
